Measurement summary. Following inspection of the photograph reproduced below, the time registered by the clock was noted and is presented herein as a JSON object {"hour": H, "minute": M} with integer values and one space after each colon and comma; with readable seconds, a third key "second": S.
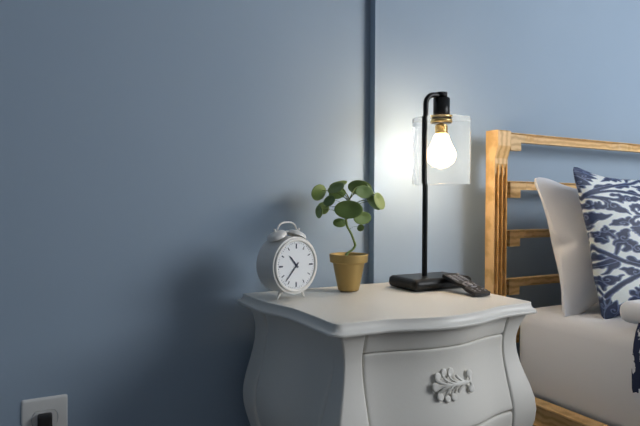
{"hour": 10, "minute": 37}
